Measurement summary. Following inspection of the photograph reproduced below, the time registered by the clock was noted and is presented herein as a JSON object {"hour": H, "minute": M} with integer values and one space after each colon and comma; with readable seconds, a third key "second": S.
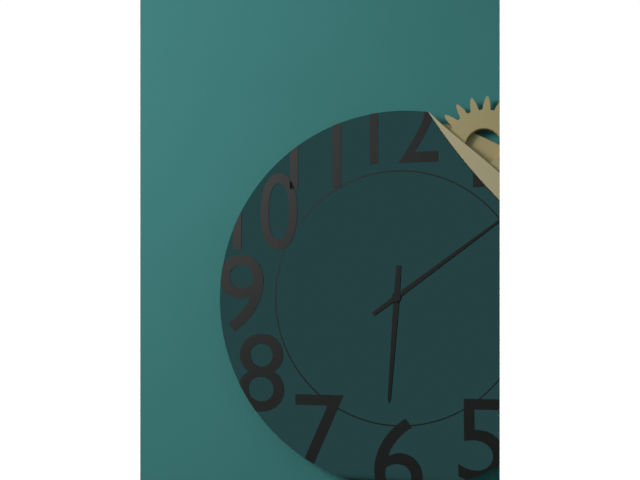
{"hour": 6, "minute": 9}
